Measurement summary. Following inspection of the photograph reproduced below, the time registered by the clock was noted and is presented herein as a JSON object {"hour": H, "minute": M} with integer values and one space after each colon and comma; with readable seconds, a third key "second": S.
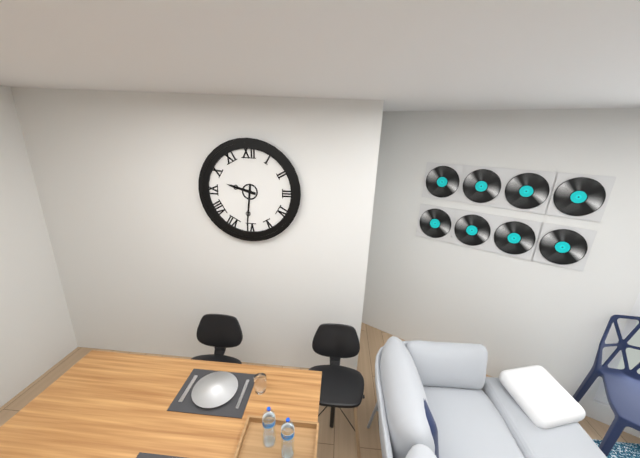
{"hour": 9, "minute": 31}
